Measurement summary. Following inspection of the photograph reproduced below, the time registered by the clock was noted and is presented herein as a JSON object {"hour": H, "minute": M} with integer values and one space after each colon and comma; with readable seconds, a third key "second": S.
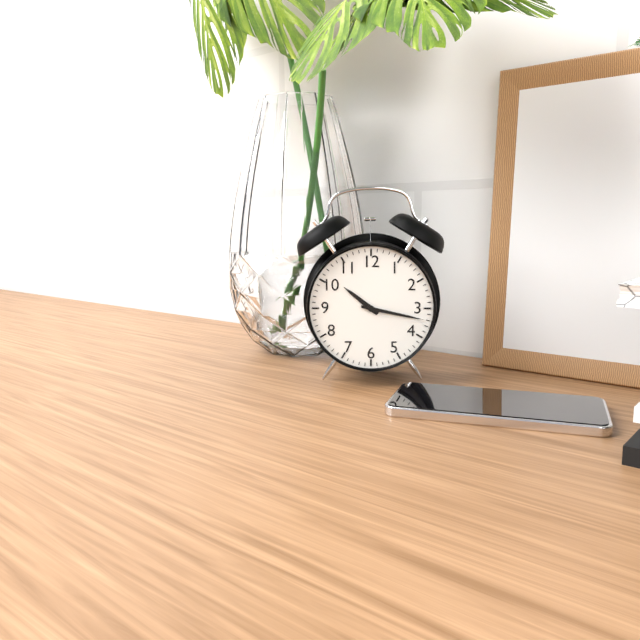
{"hour": 10, "minute": 17}
